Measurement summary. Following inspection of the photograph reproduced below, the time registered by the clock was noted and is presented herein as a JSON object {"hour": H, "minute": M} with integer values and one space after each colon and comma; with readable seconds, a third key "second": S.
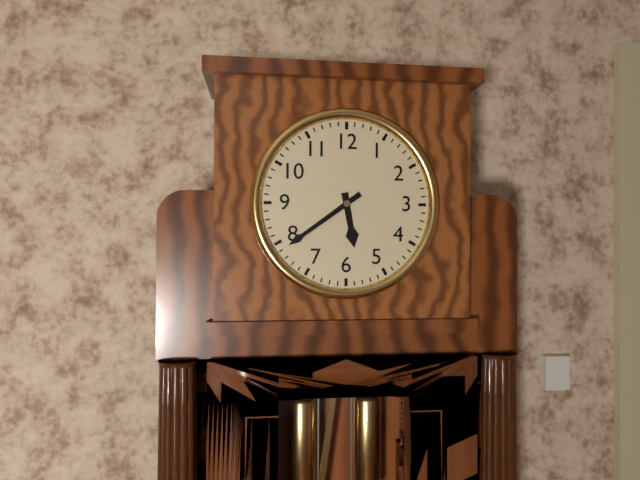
{"hour": 5, "minute": 39}
